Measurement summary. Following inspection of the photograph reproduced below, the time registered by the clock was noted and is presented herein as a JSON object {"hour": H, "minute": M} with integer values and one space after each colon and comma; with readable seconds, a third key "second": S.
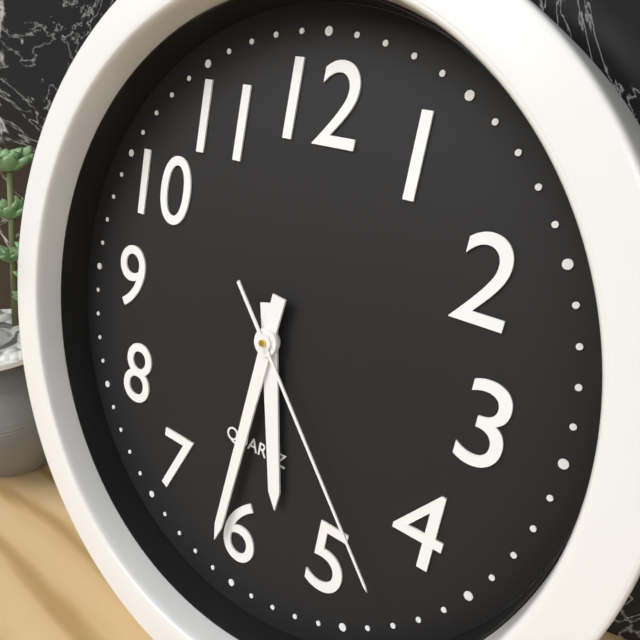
{"hour": 5, "minute": 31, "second": 23}
